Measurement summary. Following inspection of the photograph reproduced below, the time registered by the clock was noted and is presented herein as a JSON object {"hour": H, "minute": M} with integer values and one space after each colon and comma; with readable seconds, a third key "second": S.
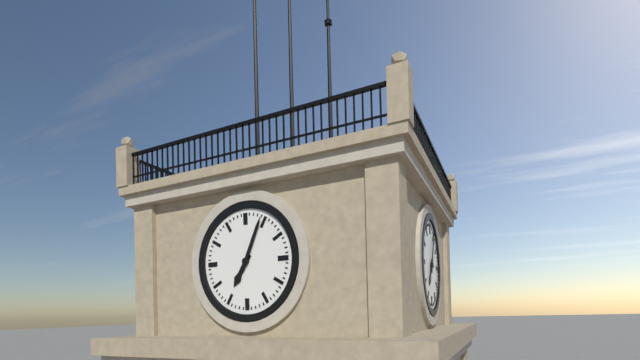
{"hour": 7, "minute": 4}
